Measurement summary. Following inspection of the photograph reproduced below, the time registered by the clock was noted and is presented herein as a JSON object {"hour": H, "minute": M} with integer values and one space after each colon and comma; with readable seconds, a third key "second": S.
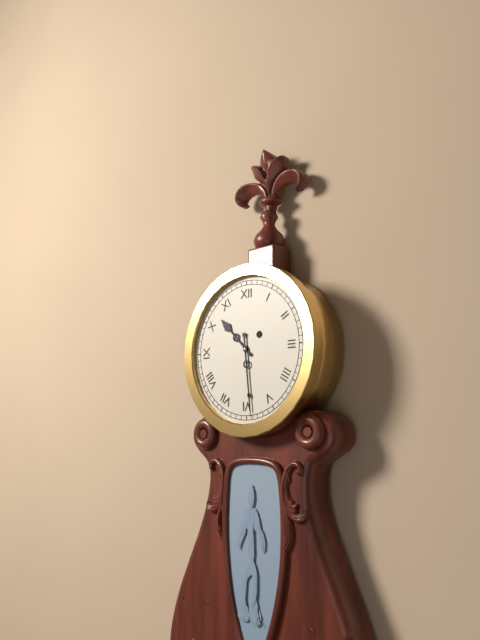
{"hour": 10, "minute": 29}
